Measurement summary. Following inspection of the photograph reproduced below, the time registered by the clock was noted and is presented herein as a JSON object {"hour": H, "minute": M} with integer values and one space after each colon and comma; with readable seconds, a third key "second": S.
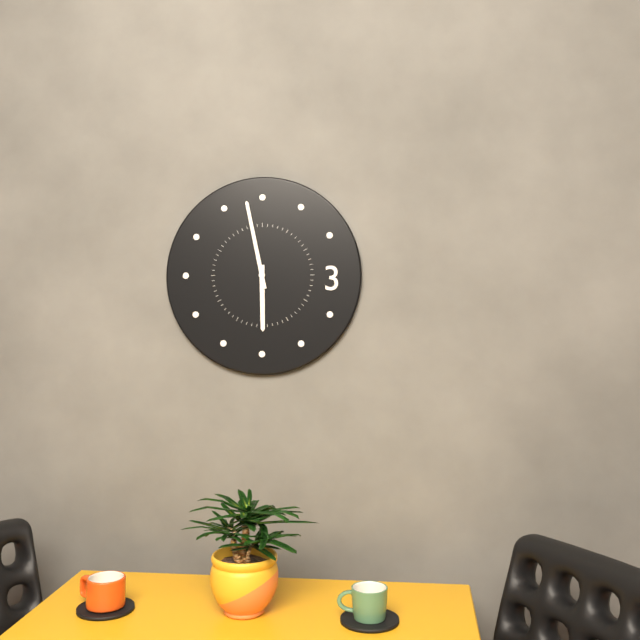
{"hour": 5, "minute": 58}
